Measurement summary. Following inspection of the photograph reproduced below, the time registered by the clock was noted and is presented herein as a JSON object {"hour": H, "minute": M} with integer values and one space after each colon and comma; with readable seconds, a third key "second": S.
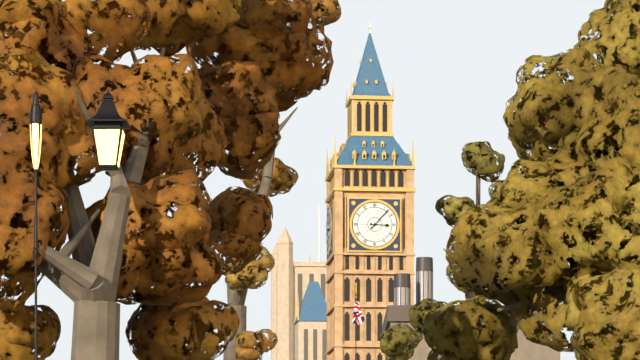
{"hour": 3, "minute": 7}
